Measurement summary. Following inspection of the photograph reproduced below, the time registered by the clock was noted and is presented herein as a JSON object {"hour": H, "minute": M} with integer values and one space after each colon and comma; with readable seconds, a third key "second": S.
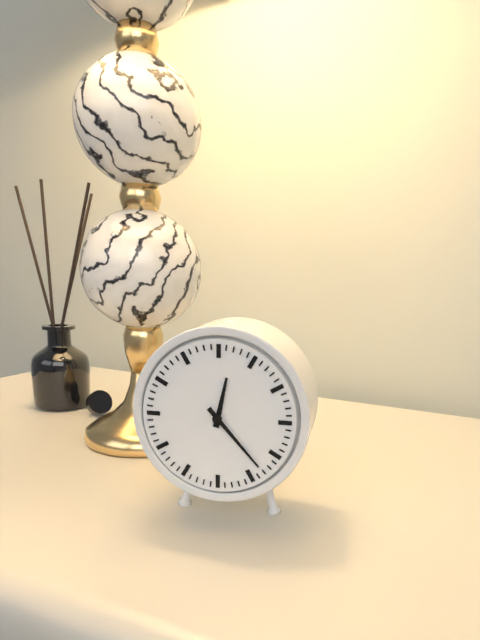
{"hour": 12, "minute": 23}
